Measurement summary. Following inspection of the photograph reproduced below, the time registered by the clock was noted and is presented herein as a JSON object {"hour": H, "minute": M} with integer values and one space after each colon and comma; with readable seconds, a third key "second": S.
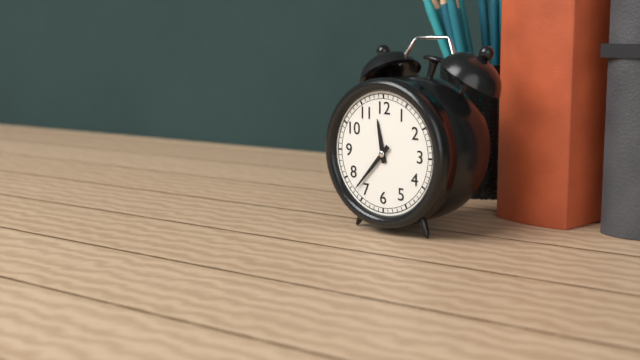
{"hour": 11, "minute": 37}
